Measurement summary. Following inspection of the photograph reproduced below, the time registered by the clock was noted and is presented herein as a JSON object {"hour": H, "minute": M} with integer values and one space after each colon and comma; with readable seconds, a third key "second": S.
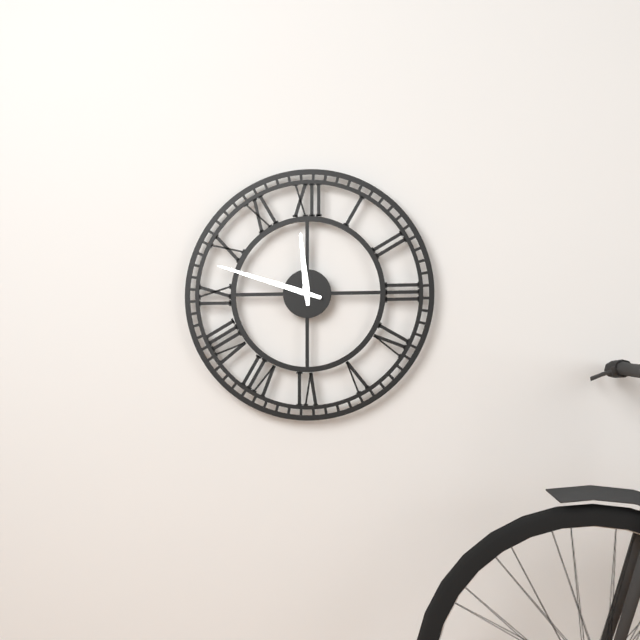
{"hour": 11, "minute": 48}
